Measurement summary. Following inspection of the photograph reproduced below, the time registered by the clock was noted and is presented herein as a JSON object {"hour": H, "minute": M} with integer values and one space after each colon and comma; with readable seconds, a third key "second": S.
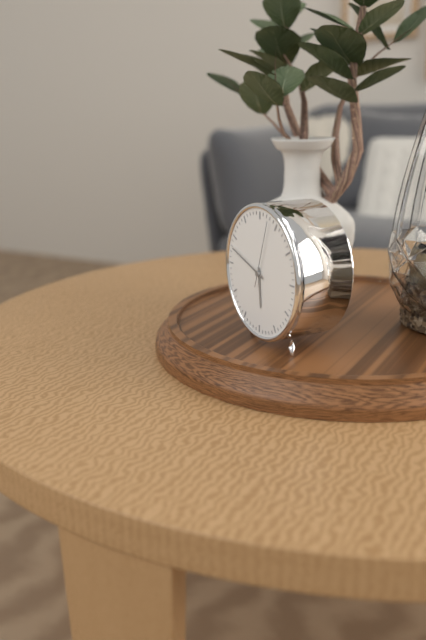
{"hour": 5, "minute": 48, "second": 3}
